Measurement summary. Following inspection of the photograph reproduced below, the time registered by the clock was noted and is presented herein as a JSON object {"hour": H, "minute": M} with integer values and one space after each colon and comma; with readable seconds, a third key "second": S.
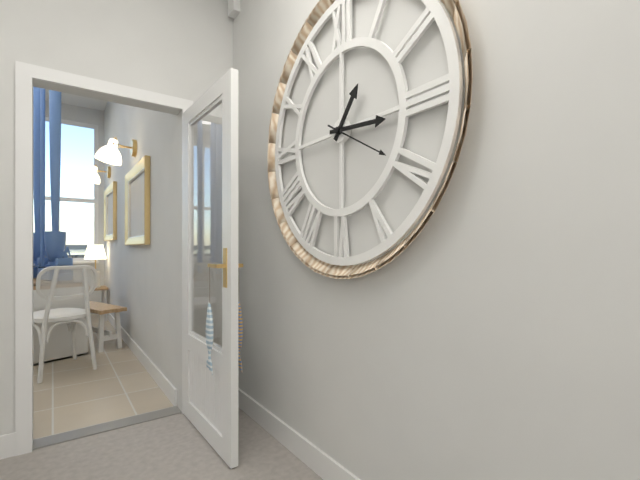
{"hour": 1, "minute": 16, "second": 20}
